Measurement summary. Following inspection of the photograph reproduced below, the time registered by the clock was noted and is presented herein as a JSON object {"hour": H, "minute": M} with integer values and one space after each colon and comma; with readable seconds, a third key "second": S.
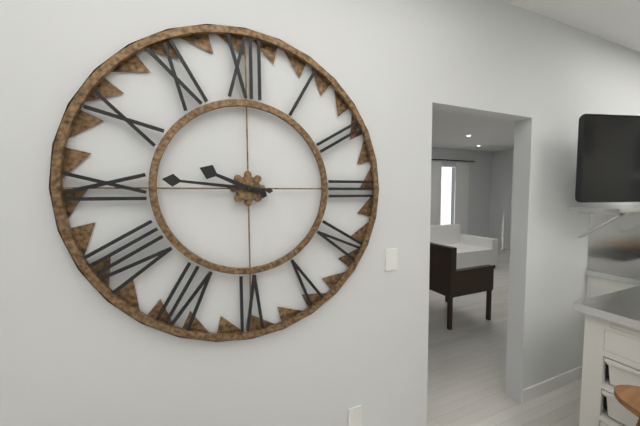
{"hour": 9, "minute": 46}
